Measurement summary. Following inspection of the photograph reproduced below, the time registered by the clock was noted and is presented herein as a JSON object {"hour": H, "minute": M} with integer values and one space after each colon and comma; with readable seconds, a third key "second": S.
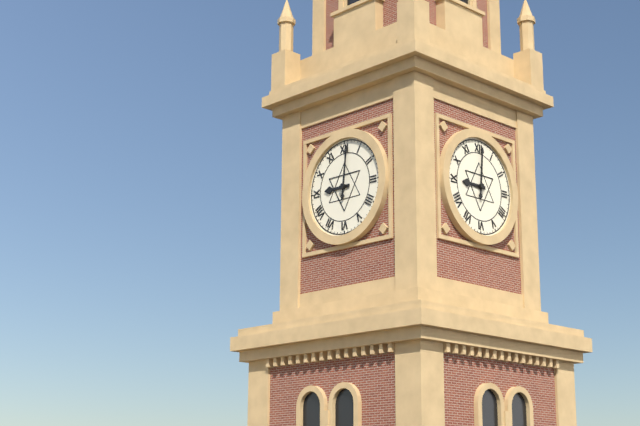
{"hour": 9, "minute": 1}
